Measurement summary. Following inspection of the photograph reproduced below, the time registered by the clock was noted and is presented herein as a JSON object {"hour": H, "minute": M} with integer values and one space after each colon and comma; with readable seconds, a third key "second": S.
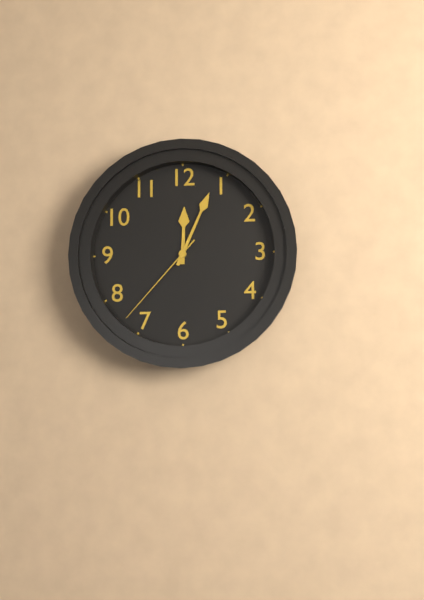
{"hour": 12, "minute": 4, "second": 37}
